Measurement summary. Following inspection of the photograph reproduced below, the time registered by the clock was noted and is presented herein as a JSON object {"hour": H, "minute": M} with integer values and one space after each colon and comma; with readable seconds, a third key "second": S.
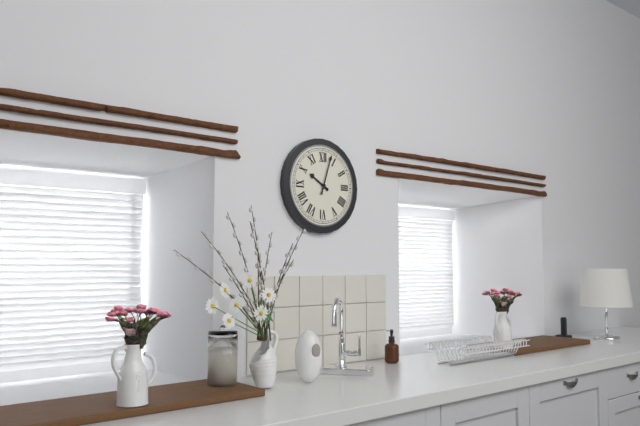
{"hour": 10, "minute": 3}
